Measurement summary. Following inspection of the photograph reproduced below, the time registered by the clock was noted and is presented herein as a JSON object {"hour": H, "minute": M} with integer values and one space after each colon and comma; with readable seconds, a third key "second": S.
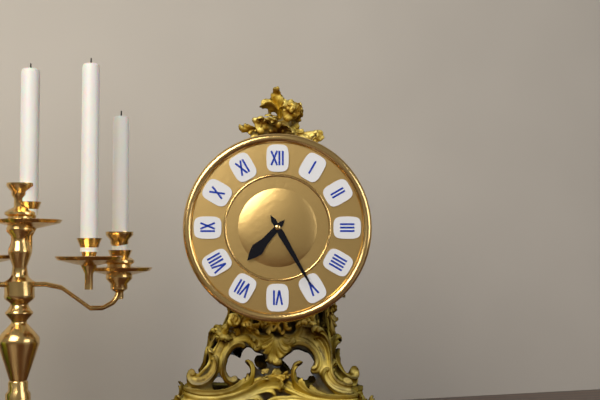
{"hour": 7, "minute": 25}
